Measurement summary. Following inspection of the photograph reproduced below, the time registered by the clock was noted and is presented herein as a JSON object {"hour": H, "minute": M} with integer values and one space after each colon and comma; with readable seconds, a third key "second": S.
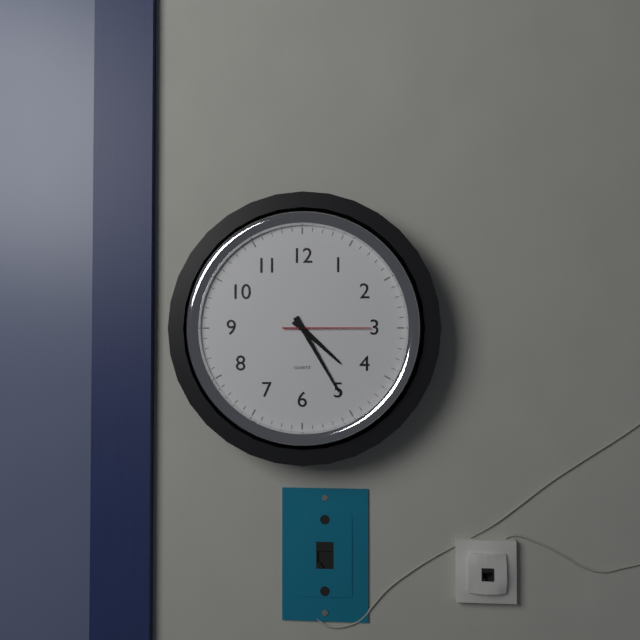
{"hour": 4, "minute": 25, "second": 15}
